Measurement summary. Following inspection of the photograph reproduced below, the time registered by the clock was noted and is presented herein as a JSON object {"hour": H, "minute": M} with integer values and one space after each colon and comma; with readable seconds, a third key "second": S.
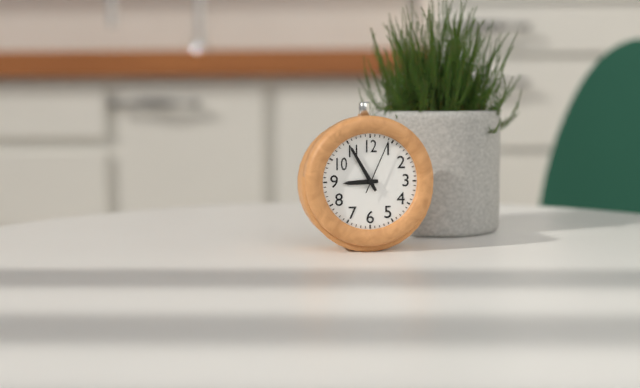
{"hour": 8, "minute": 55, "second": 4}
